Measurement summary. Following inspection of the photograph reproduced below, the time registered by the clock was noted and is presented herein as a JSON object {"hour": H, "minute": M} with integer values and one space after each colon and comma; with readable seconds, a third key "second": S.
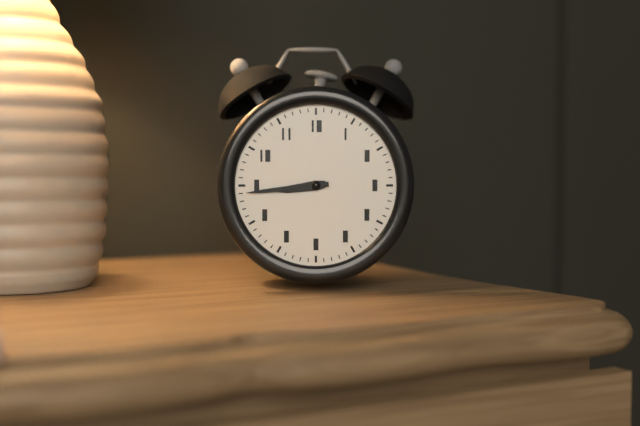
{"hour": 8, "minute": 44}
